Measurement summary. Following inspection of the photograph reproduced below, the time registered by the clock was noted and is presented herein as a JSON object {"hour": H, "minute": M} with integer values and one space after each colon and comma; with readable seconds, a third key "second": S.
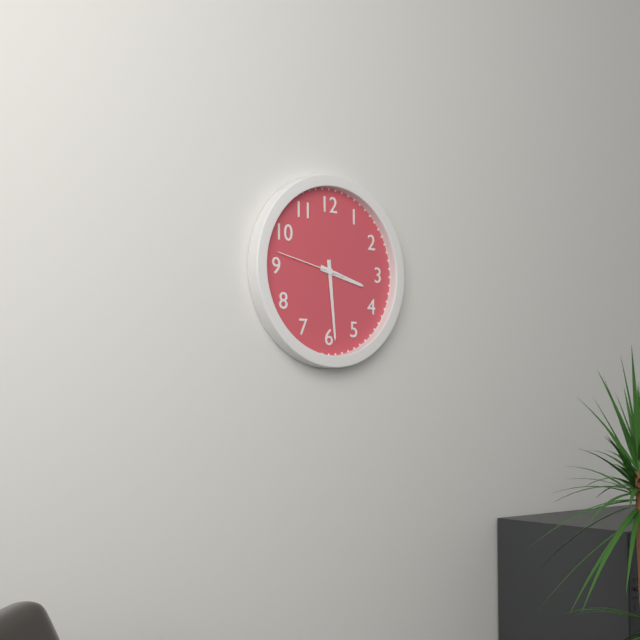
{"hour": 3, "minute": 29, "second": 47}
